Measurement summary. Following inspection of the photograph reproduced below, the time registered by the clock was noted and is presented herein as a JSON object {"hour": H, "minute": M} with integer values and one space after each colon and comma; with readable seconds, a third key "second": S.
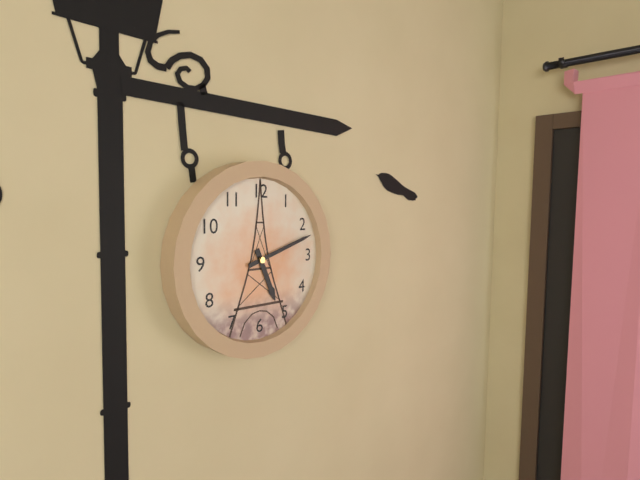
{"hour": 5, "minute": 12}
